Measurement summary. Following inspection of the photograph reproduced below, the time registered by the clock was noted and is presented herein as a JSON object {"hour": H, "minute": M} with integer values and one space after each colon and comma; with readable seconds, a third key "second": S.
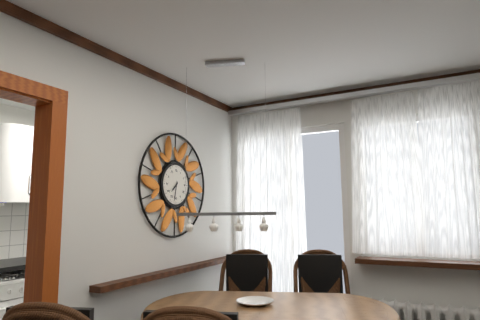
{"hour": 7, "minute": 32}
